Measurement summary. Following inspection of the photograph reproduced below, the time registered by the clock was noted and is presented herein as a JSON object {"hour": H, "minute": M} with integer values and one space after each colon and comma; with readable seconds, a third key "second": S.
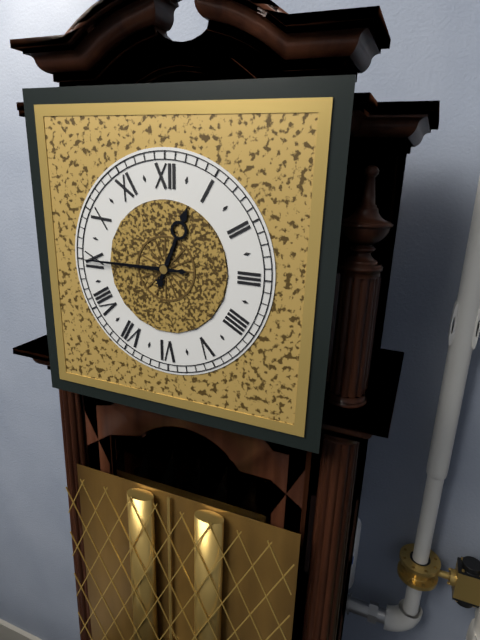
{"hour": 12, "minute": 45}
